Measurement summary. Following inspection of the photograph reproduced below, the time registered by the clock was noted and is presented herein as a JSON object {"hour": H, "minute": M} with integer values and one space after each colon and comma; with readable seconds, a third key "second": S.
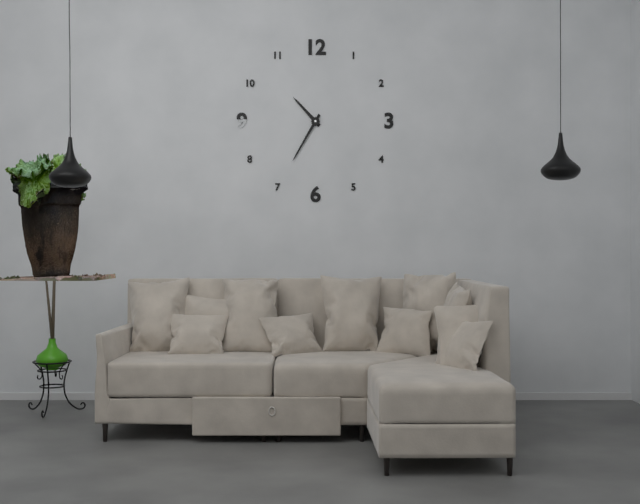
{"hour": 10, "minute": 35}
